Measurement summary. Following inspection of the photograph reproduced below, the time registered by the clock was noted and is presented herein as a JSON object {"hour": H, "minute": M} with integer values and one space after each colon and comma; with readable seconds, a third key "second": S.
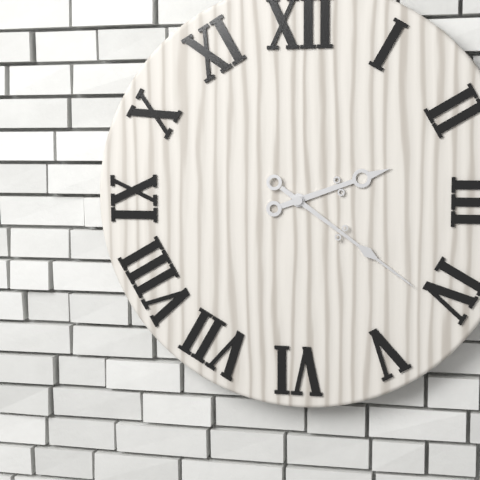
{"hour": 2, "minute": 21}
